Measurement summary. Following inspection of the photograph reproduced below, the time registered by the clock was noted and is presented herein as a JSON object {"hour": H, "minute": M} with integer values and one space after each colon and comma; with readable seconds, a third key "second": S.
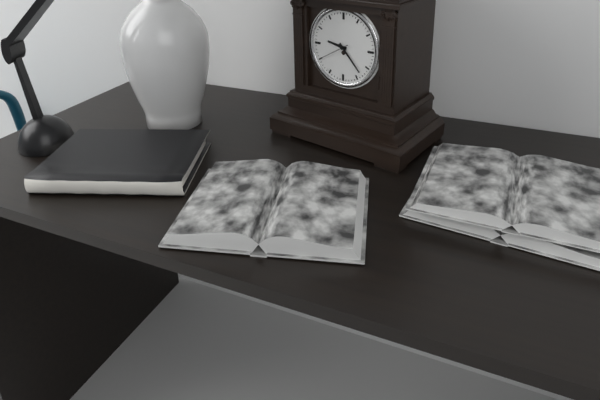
{"hour": 9, "minute": 23}
